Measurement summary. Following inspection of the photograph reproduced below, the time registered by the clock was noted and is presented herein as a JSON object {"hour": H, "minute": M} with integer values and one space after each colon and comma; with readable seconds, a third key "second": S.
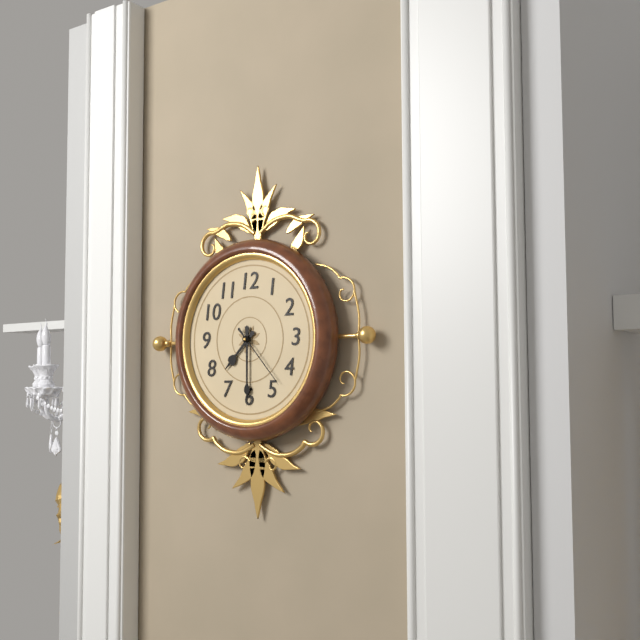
{"hour": 7, "minute": 30, "second": 23}
